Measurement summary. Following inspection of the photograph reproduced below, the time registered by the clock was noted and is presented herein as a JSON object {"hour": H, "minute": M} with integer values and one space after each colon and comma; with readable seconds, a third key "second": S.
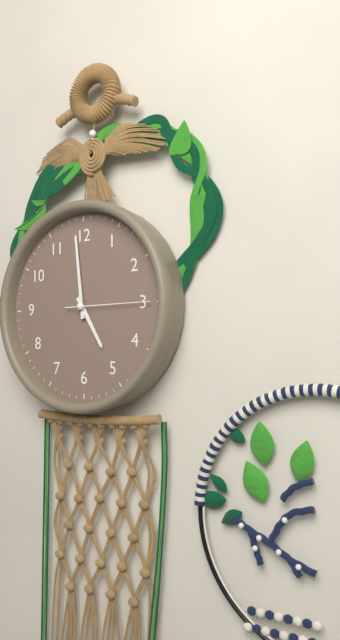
{"hour": 4, "minute": 59, "second": 15}
